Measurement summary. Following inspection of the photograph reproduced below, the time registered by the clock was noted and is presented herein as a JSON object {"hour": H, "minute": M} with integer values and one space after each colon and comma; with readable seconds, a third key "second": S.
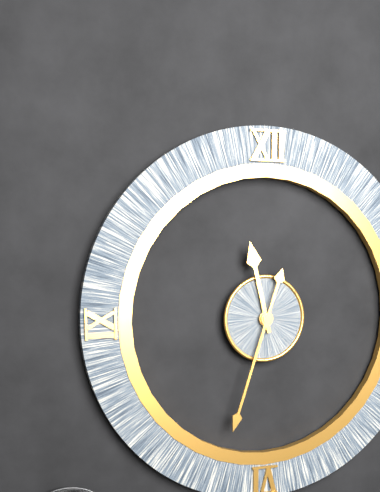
{"hour": 11, "minute": 33}
